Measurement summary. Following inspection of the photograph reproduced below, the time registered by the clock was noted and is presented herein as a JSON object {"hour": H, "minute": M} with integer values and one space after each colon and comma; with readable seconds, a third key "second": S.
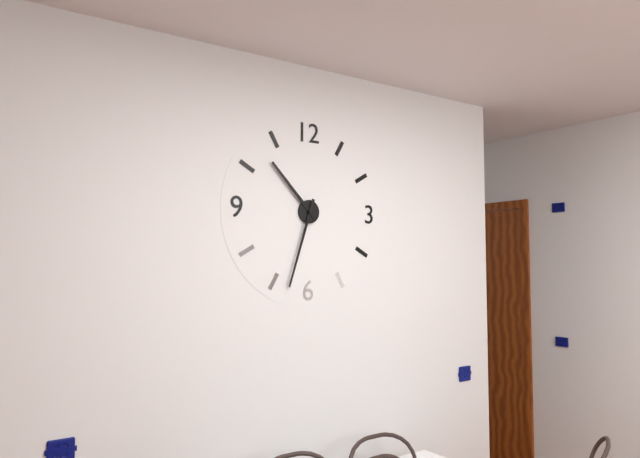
{"hour": 10, "minute": 33}
